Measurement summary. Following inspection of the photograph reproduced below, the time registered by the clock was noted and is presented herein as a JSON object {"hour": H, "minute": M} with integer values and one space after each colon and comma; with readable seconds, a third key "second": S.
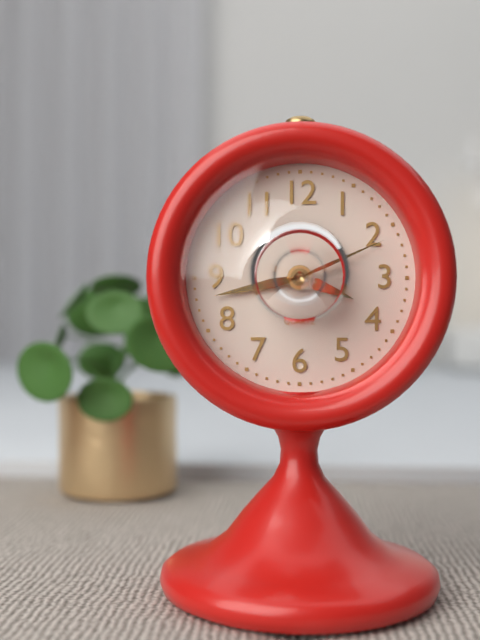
{"hour": 3, "minute": 43, "second": 11}
